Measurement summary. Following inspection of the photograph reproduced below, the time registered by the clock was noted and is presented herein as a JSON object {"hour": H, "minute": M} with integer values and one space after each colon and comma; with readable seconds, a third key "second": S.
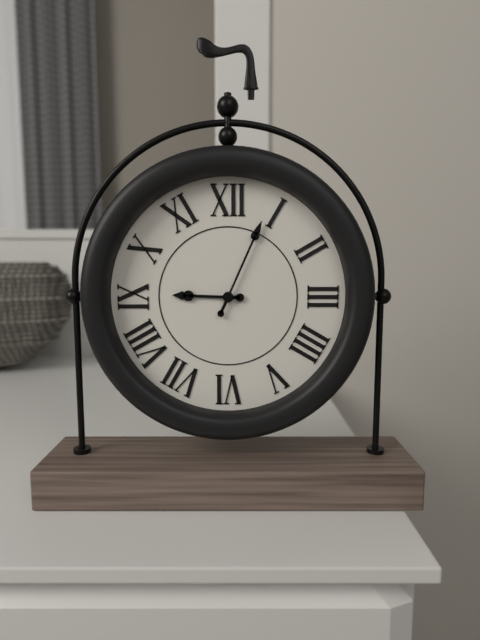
{"hour": 9, "minute": 4}
